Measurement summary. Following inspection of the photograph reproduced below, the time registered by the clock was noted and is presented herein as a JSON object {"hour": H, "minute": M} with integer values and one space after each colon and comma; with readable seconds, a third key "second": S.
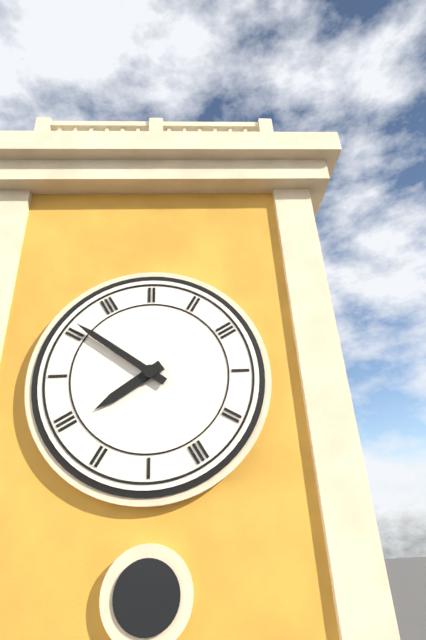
{"hour": 7, "minute": 51}
